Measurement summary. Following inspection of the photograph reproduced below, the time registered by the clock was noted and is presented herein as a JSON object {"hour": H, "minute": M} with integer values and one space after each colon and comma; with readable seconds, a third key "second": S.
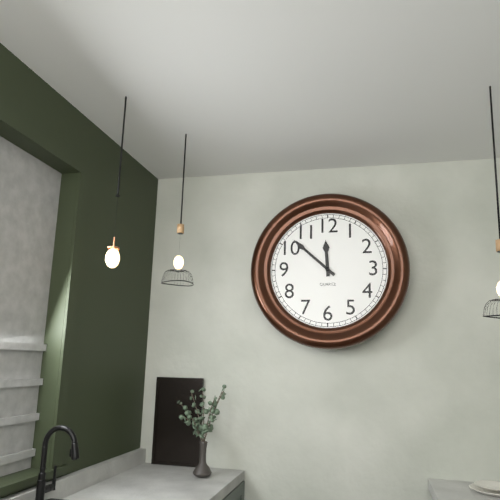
{"hour": 11, "minute": 52}
